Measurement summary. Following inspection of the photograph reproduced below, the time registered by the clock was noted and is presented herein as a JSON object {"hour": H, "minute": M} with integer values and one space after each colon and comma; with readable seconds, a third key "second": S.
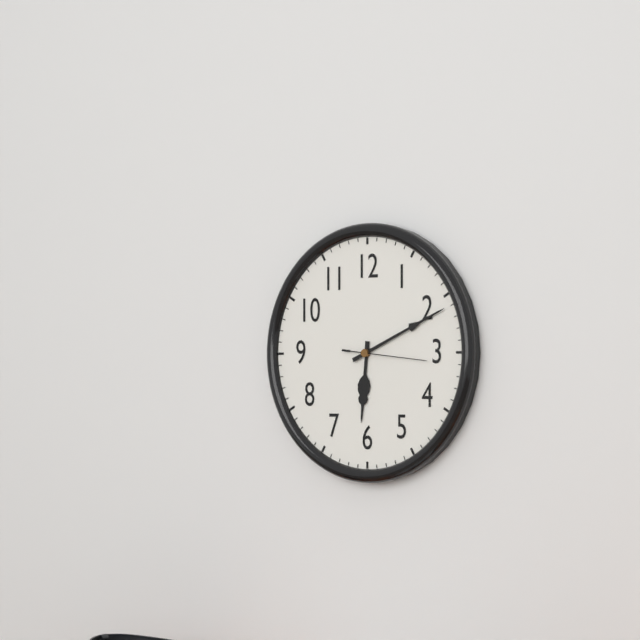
{"hour": 6, "minute": 11, "second": 16}
